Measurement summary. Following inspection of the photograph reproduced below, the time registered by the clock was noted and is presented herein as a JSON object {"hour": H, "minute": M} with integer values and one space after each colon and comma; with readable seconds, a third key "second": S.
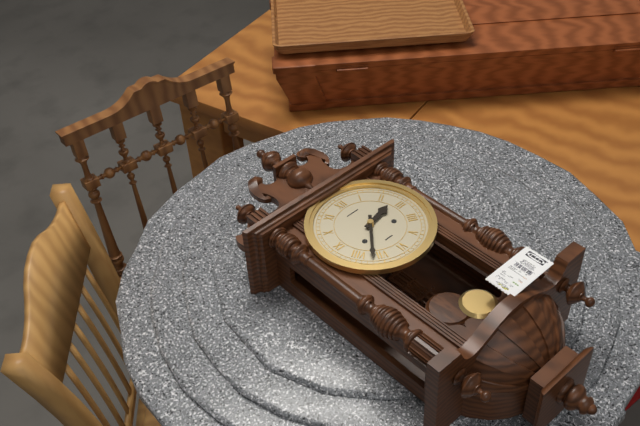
{"hour": 2, "minute": 37}
